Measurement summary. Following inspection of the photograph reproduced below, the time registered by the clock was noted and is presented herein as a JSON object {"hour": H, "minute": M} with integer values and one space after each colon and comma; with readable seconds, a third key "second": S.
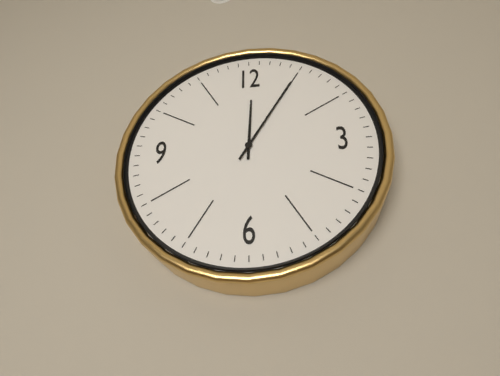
{"hour": 12, "minute": 5}
